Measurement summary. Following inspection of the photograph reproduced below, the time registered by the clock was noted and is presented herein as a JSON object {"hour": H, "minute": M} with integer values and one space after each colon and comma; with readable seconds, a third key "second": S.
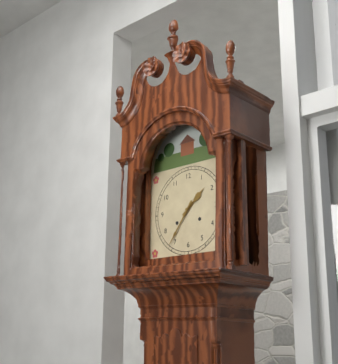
{"hour": 1, "minute": 36}
